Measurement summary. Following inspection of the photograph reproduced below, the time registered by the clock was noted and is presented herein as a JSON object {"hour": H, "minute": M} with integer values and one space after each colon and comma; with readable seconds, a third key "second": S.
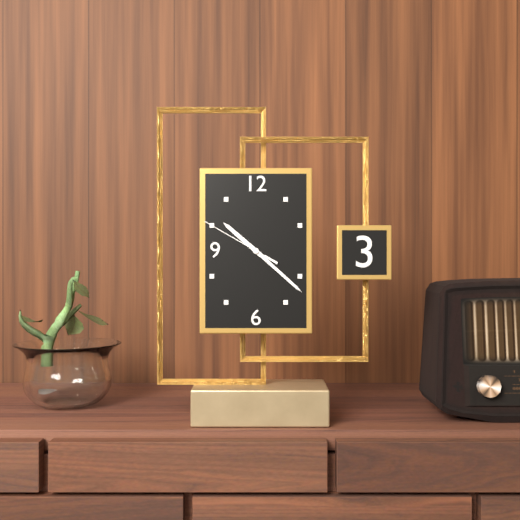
{"hour": 10, "minute": 22, "second": 50}
